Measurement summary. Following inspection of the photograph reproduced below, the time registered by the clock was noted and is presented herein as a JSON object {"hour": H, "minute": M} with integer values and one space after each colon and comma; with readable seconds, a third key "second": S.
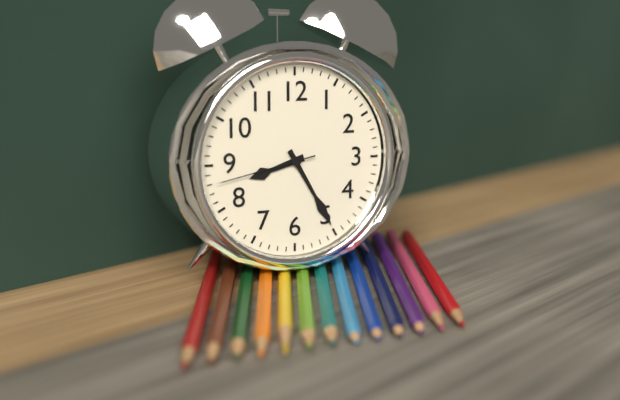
{"hour": 8, "minute": 25, "second": 43}
